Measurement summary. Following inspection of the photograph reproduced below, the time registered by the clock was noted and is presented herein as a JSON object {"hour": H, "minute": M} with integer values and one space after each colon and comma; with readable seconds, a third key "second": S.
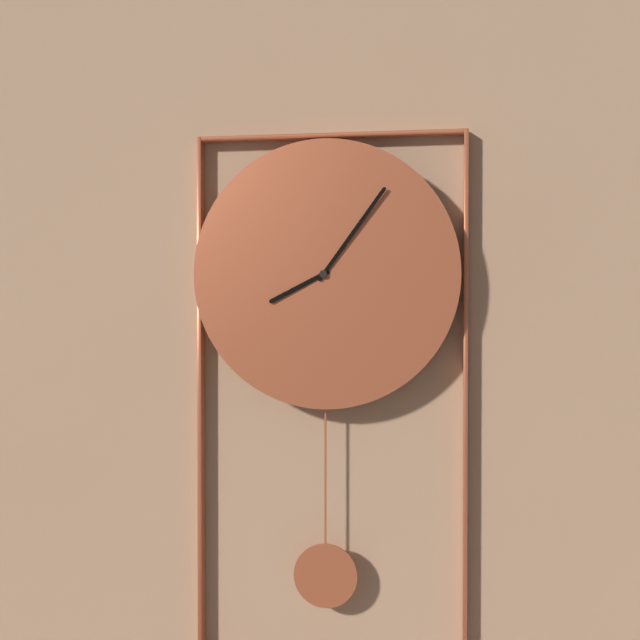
{"hour": 8, "minute": 6}
